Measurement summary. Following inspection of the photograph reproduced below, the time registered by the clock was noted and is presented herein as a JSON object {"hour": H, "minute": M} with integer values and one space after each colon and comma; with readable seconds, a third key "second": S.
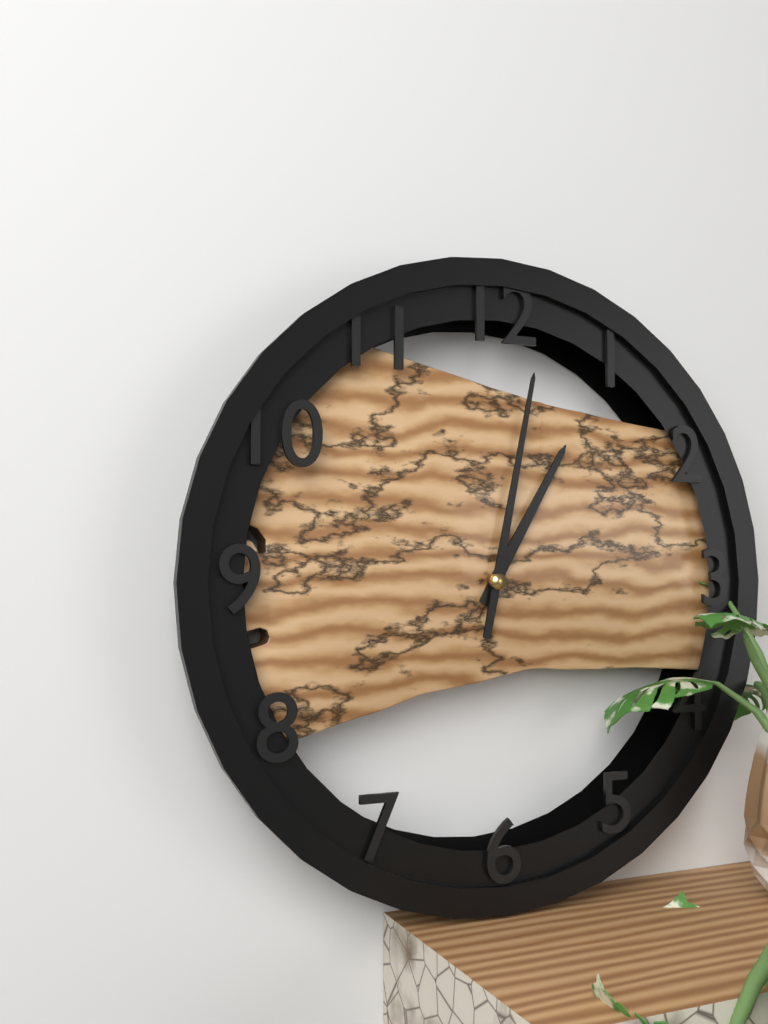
{"hour": 1, "minute": 2}
